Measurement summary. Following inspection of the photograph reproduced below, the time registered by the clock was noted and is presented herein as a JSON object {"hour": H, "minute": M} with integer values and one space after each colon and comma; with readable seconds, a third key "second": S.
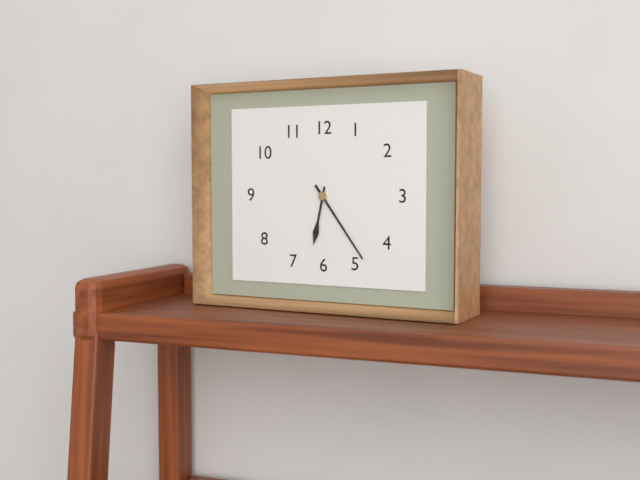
{"hour": 6, "minute": 24}
